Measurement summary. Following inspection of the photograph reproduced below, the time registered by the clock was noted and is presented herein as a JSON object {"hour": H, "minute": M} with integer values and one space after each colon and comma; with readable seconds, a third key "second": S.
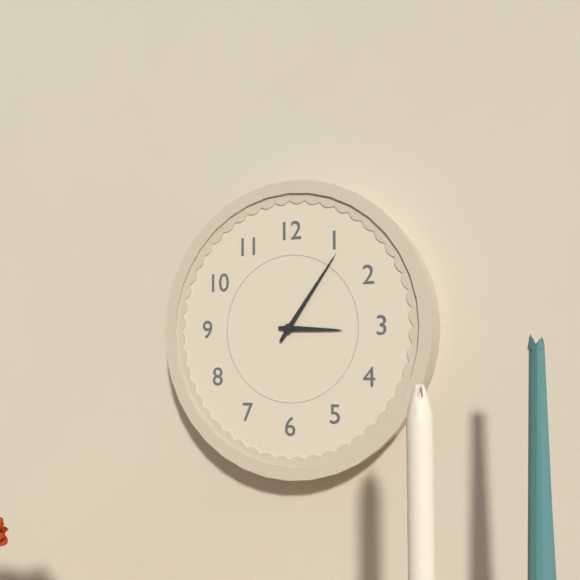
{"hour": 3, "minute": 6}
